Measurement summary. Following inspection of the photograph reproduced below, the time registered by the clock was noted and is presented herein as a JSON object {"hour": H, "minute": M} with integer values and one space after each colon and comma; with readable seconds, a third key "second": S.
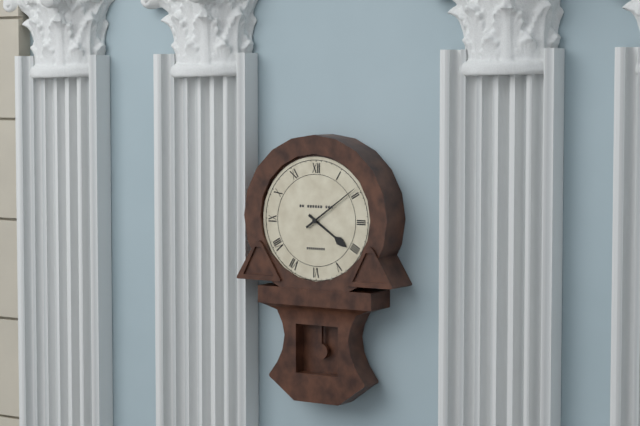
{"hour": 4, "minute": 9}
